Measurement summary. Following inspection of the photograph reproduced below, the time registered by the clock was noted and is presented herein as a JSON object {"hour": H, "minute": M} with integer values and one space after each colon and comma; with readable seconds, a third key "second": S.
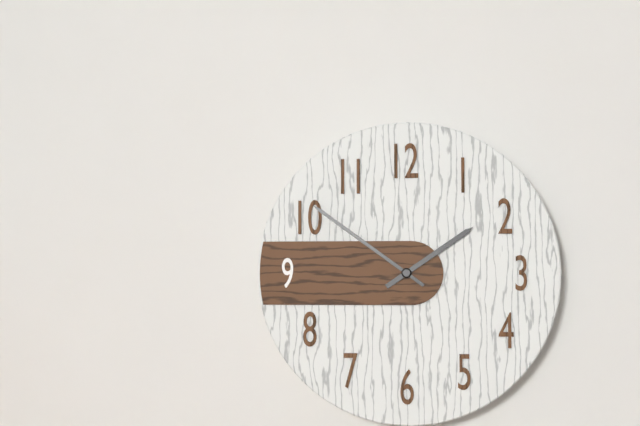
{"hour": 1, "minute": 51}
